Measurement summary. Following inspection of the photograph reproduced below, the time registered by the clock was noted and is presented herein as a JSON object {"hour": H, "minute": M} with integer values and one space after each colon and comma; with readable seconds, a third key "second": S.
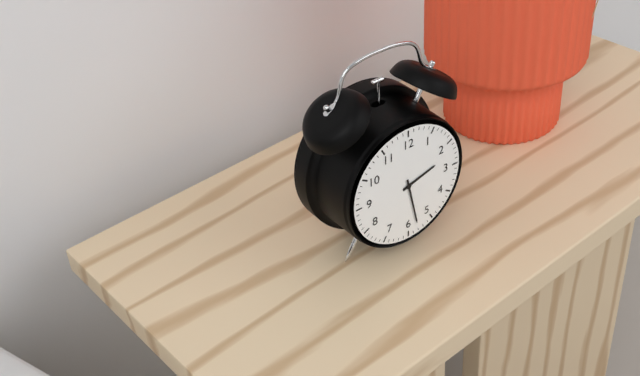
{"hour": 2, "minute": 28}
